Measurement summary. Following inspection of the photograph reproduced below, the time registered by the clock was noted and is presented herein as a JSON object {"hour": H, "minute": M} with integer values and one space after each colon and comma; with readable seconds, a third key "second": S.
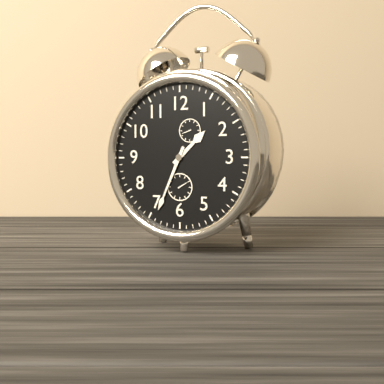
{"hour": 1, "minute": 34}
